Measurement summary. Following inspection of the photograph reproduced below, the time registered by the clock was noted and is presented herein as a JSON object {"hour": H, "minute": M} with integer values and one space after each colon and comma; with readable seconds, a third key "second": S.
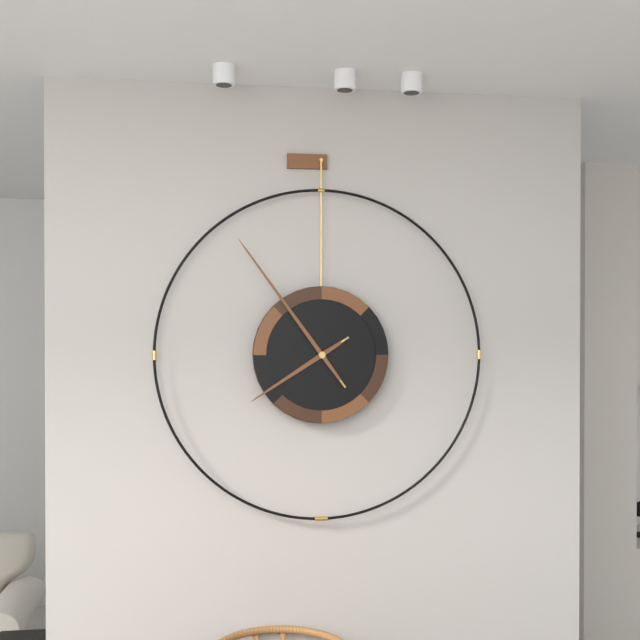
{"hour": 7, "minute": 54}
